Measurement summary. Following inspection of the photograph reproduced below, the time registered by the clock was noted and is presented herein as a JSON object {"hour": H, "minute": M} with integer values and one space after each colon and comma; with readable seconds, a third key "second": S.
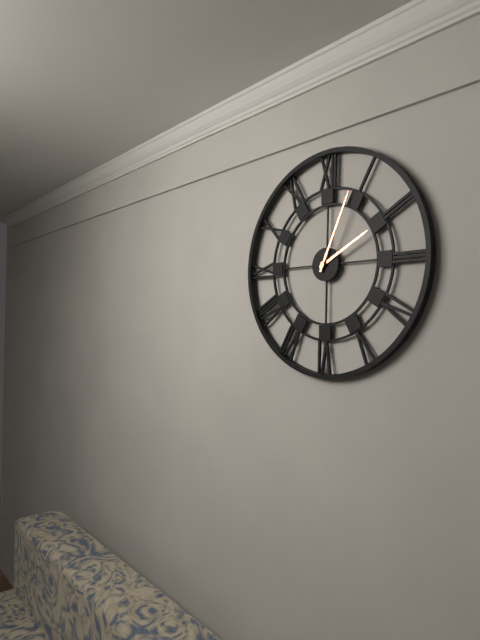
{"hour": 2, "minute": 4}
